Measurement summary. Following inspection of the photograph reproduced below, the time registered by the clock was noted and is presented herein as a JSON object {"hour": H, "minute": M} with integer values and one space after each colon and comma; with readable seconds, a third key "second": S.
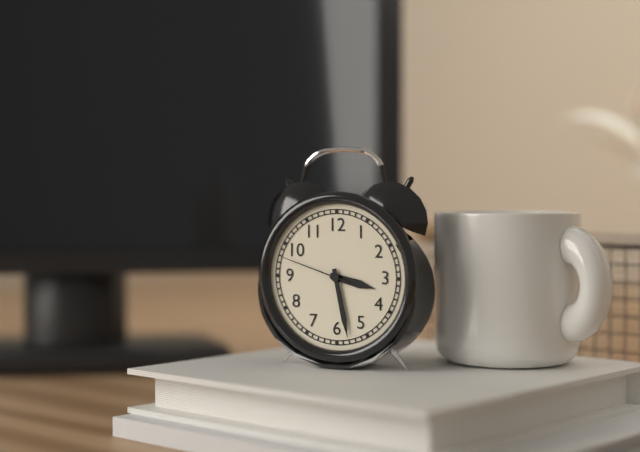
{"hour": 3, "minute": 28, "second": 48}
